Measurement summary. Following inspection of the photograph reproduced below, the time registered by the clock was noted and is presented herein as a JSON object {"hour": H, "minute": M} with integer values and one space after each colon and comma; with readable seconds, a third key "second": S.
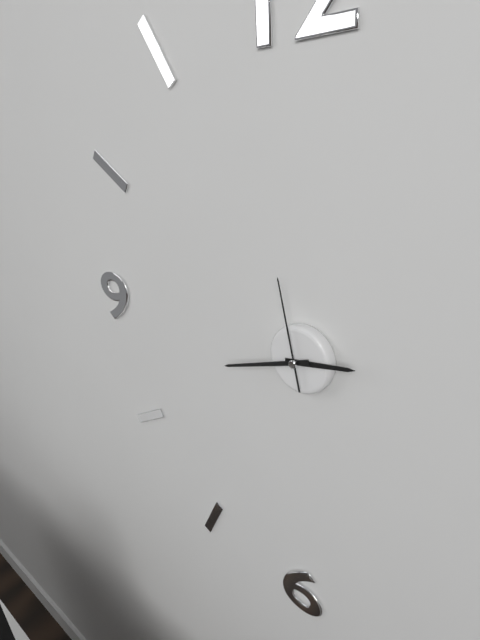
{"hour": 2, "minute": 42, "second": 58}
